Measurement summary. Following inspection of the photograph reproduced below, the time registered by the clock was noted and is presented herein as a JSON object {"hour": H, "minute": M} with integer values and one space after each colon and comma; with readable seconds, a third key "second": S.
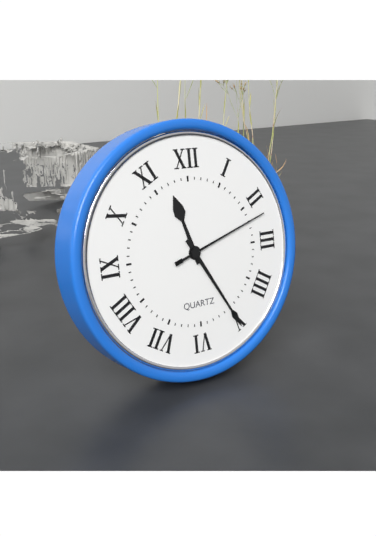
{"hour": 11, "minute": 25, "second": 12}
